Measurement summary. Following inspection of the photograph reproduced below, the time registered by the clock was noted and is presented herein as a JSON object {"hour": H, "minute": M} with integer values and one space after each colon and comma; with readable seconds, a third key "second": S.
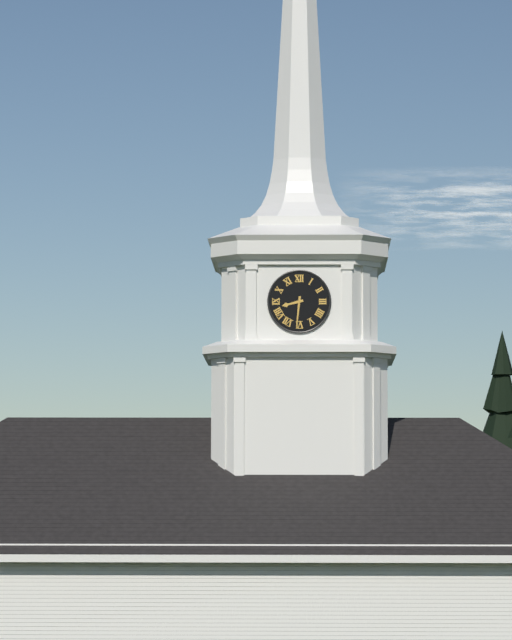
{"hour": 8, "minute": 31}
